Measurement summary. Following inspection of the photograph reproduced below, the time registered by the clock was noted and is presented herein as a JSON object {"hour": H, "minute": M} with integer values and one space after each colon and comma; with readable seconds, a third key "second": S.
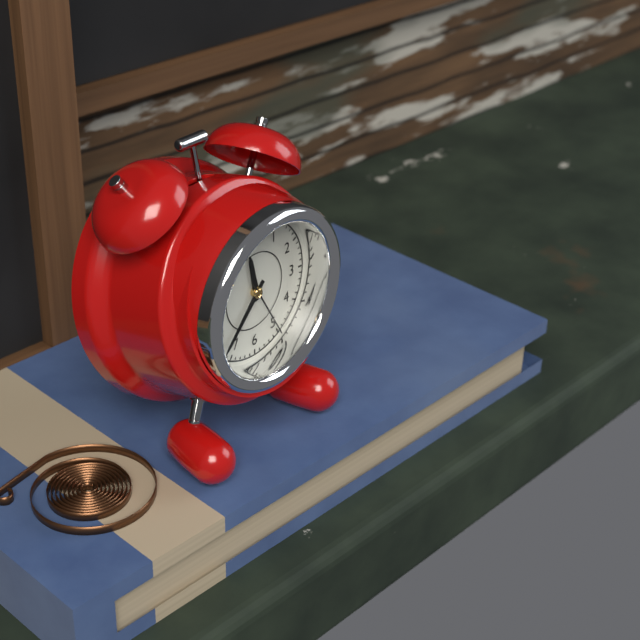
{"hour": 11, "minute": 37, "second": 25}
